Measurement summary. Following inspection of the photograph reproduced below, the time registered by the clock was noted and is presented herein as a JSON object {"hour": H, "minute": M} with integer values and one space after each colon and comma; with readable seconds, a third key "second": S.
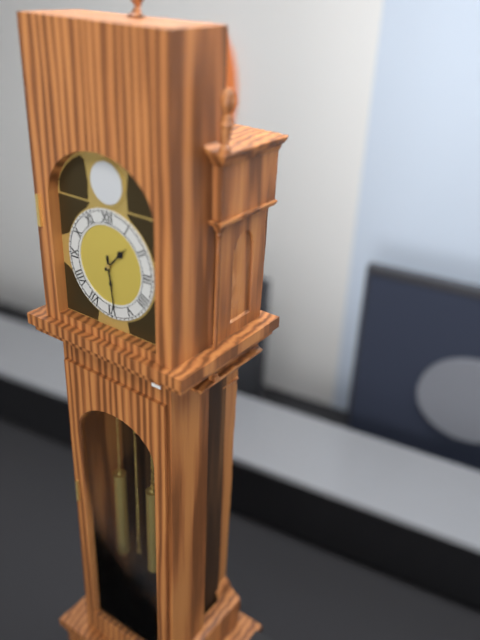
{"hour": 1, "minute": 29}
